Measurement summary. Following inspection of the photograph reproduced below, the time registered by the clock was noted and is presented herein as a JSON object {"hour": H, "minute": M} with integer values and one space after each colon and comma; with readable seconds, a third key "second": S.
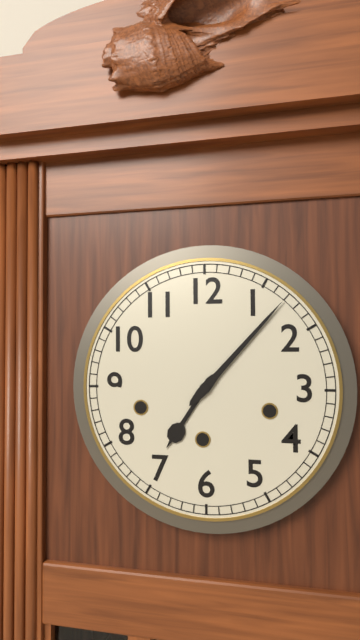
{"hour": 7, "minute": 7}
